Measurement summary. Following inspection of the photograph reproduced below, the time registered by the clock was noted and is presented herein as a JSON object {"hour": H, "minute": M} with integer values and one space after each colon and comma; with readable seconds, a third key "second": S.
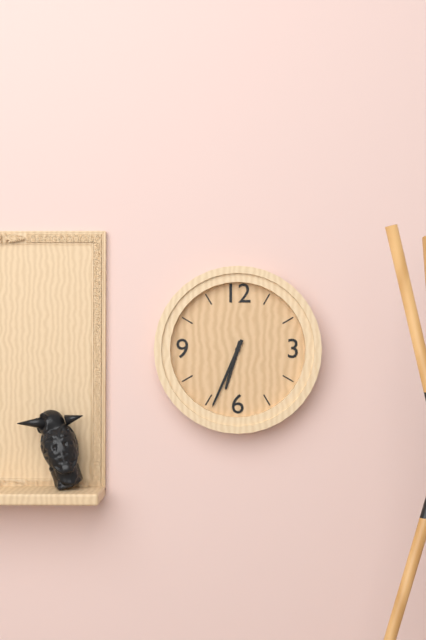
{"hour": 6, "minute": 34}
